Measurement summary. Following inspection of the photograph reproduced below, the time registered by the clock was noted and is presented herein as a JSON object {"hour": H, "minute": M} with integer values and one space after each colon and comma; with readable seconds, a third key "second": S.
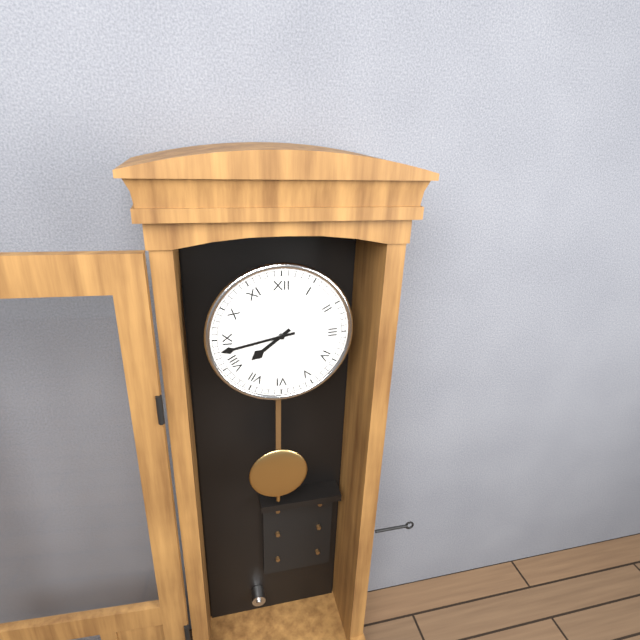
{"hour": 7, "minute": 43}
